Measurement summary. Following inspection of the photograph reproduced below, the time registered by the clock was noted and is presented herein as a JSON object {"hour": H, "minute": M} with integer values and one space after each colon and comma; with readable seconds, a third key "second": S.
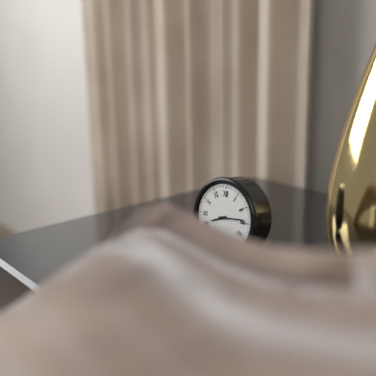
{"hour": 8, "minute": 14}
